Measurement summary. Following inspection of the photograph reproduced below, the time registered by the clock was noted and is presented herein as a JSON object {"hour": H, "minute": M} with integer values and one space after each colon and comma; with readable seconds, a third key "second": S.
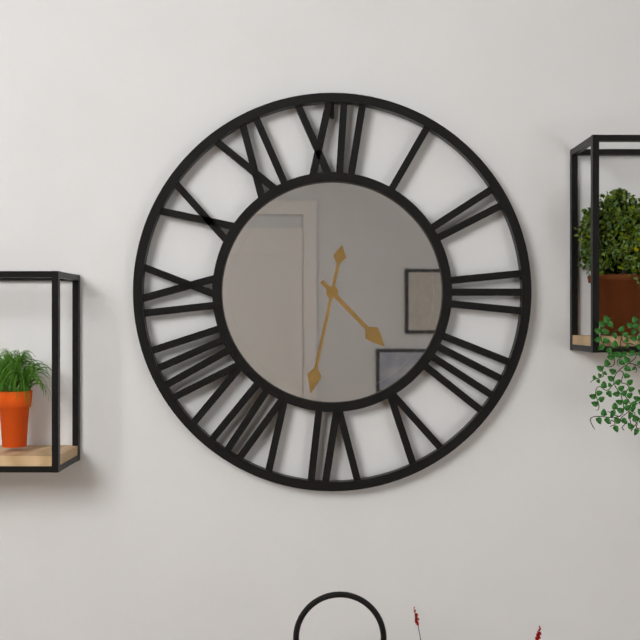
{"hour": 4, "minute": 32}
